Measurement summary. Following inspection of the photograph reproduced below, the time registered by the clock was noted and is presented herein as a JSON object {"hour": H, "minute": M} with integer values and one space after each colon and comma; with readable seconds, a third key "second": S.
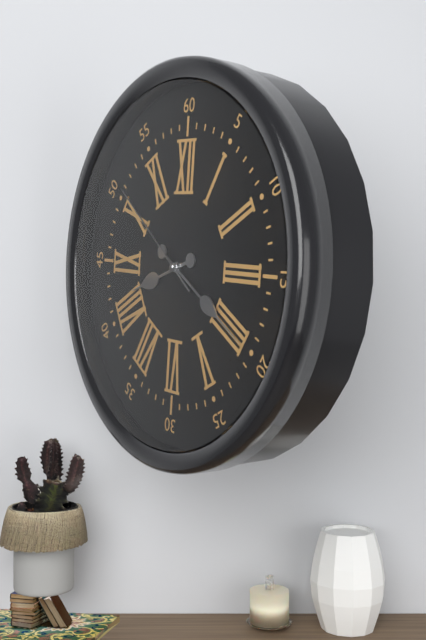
{"hour": 8, "minute": 20, "second": 51}
